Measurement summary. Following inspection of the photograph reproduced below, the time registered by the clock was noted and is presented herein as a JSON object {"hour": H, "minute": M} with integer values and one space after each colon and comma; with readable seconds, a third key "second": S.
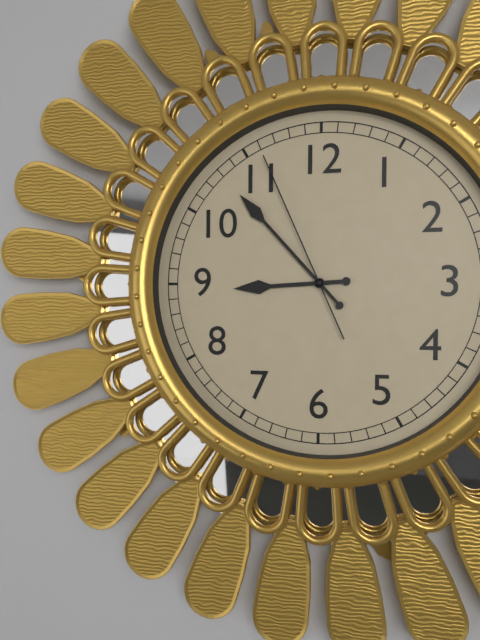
{"hour": 8, "minute": 53, "second": 56}
